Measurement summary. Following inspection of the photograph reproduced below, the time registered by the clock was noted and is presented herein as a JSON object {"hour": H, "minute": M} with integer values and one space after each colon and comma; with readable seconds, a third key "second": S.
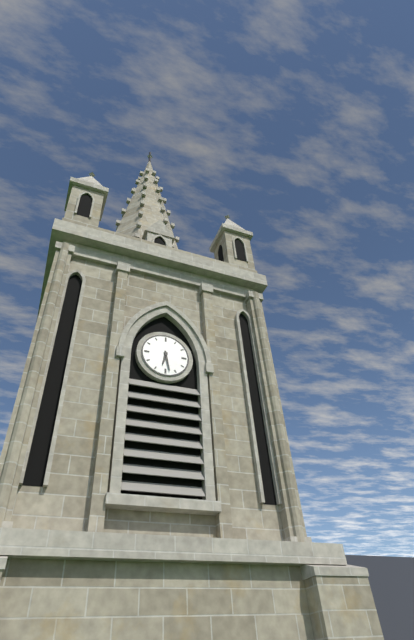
{"hour": 6, "minute": 28}
